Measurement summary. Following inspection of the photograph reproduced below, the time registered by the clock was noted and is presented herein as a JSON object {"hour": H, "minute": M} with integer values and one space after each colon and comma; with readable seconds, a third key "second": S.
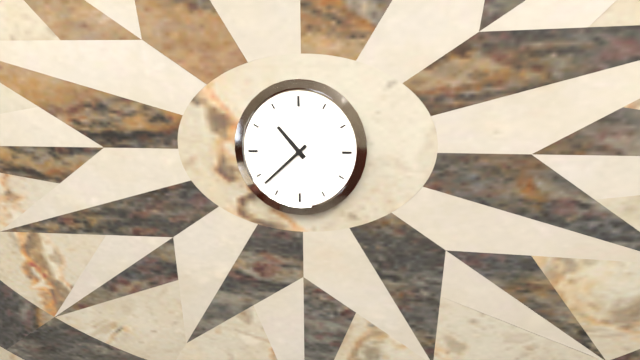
{"hour": 10, "minute": 38}
